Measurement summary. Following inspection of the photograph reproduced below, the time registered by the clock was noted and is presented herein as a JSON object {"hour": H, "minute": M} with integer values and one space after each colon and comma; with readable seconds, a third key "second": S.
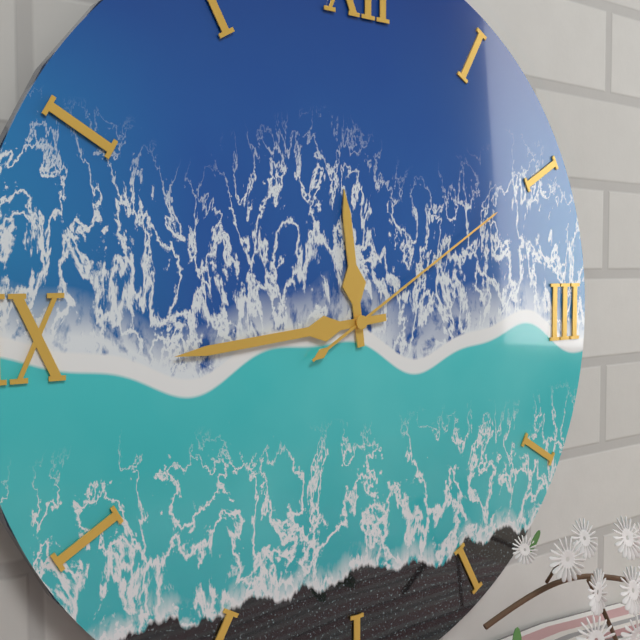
{"hour": 11, "minute": 44, "second": 10}
